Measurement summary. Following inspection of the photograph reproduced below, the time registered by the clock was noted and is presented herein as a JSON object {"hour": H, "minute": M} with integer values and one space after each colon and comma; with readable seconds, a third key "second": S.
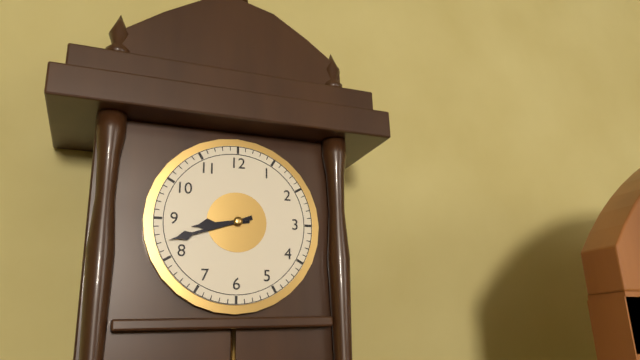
{"hour": 8, "minute": 42}
